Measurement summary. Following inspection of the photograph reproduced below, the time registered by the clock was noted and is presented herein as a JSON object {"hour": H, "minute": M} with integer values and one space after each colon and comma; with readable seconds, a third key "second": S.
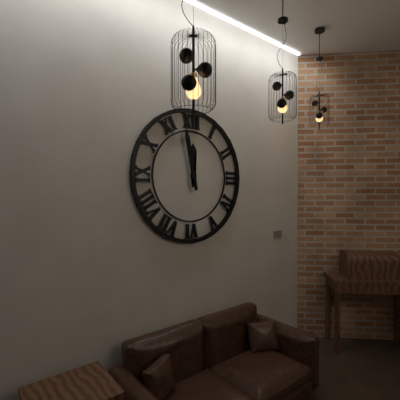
{"hour": 11, "minute": 58}
